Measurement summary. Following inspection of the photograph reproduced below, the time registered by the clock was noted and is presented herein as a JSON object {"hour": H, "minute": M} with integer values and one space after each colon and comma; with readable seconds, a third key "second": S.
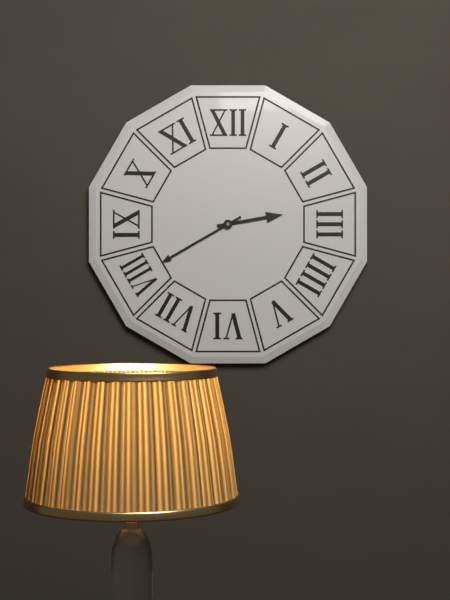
{"hour": 2, "minute": 40}
